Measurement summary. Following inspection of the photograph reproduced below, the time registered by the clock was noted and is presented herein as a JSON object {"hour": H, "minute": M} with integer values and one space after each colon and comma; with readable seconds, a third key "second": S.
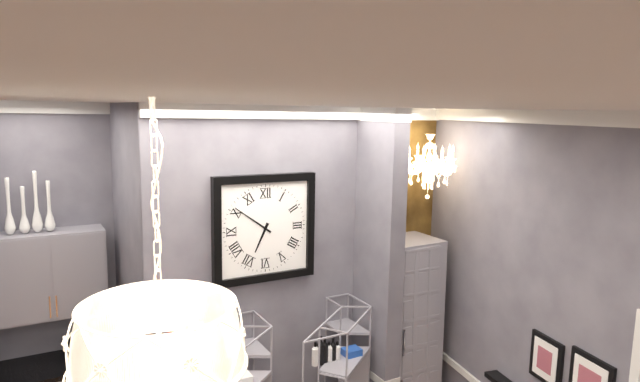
{"hour": 6, "minute": 51}
